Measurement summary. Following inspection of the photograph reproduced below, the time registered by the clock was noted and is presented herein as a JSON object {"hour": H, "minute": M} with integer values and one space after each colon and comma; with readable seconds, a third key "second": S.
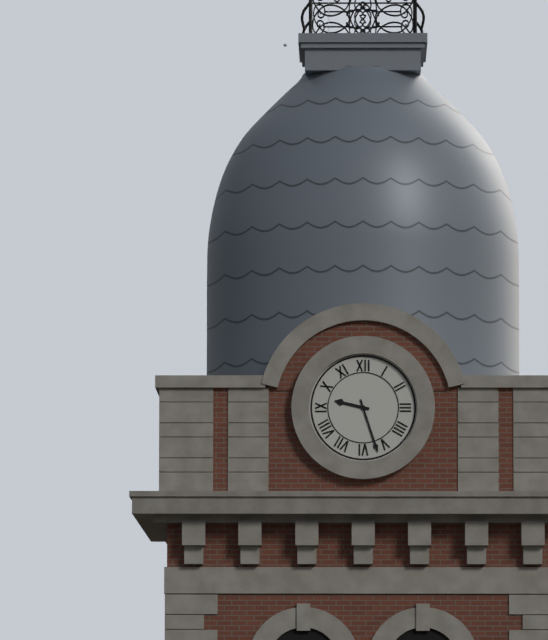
{"hour": 9, "minute": 27}
